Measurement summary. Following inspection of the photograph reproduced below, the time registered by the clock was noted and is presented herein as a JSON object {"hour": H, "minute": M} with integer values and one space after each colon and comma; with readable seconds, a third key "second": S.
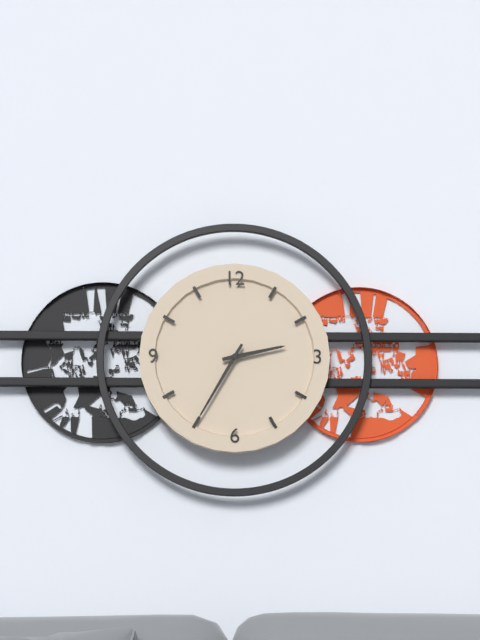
{"hour": 2, "minute": 35}
